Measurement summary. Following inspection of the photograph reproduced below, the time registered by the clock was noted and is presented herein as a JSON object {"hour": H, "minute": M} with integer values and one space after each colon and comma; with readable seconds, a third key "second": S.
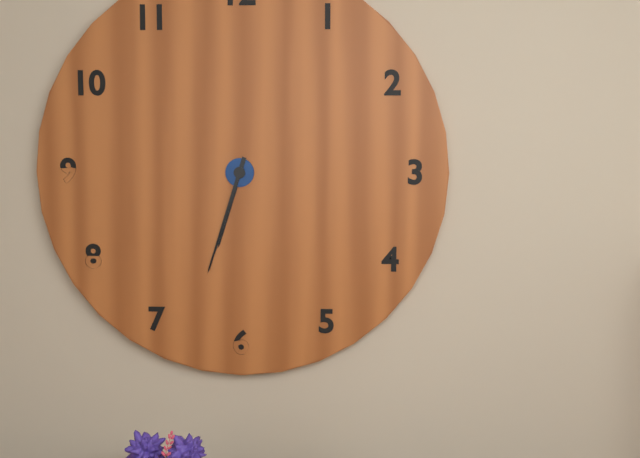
{"hour": 6, "minute": 33}
